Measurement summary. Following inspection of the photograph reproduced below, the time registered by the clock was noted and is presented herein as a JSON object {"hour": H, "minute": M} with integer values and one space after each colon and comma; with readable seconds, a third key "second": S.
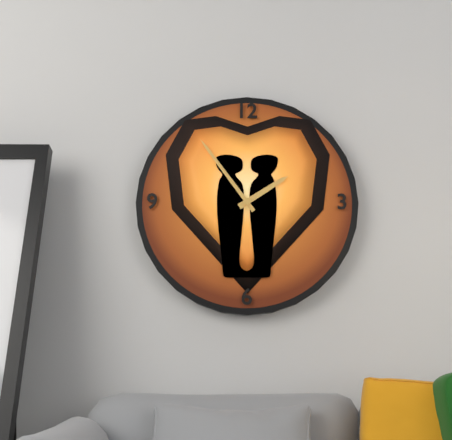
{"hour": 1, "minute": 54}
